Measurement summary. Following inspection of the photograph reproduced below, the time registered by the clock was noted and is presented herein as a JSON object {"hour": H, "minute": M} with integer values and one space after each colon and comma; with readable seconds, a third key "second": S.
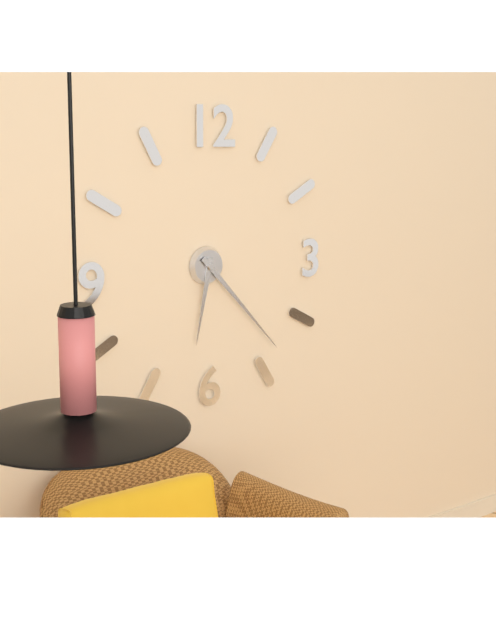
{"hour": 6, "minute": 23}
